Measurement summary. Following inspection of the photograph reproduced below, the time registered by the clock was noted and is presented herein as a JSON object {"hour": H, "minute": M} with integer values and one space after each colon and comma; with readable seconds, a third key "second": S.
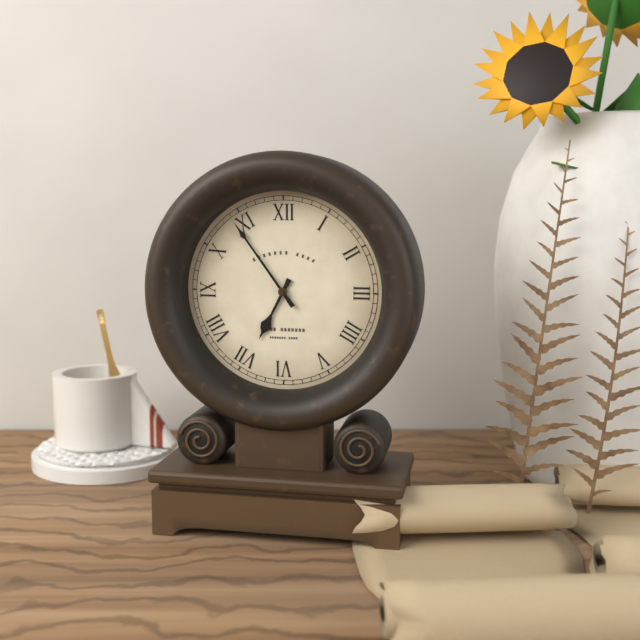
{"hour": 6, "minute": 54}
